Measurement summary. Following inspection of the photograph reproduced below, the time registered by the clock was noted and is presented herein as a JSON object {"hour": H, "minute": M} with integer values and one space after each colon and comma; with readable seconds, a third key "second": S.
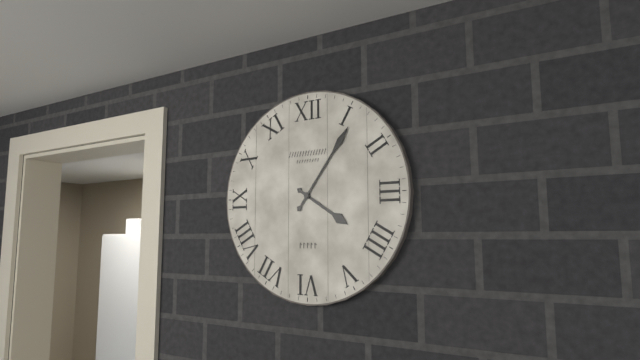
{"hour": 4, "minute": 6}
